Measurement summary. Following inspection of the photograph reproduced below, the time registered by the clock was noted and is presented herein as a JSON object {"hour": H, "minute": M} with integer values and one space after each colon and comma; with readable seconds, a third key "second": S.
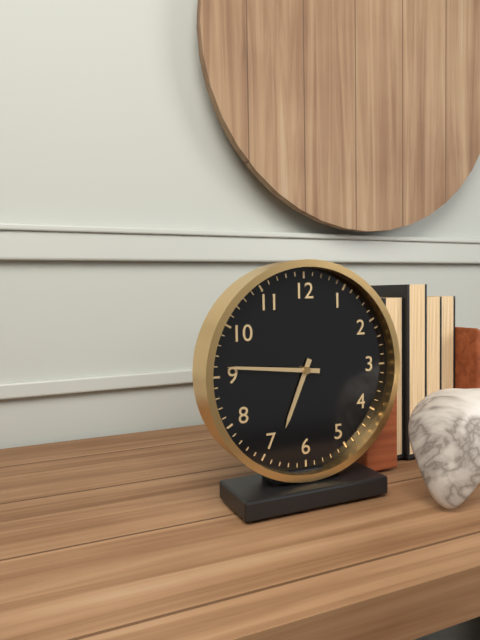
{"hour": 6, "minute": 46}
